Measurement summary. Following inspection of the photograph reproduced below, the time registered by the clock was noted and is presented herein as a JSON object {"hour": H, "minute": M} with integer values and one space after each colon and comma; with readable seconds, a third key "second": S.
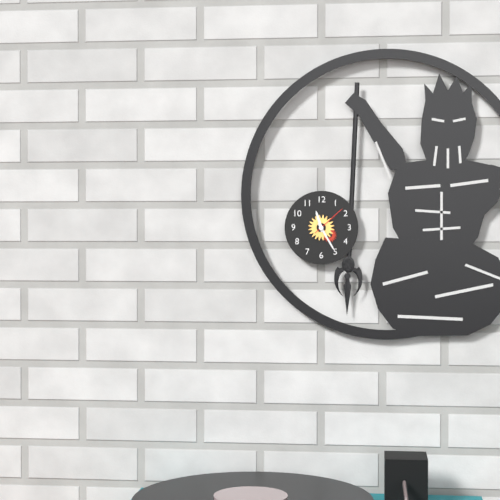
{"hour": 11, "minute": 25}
